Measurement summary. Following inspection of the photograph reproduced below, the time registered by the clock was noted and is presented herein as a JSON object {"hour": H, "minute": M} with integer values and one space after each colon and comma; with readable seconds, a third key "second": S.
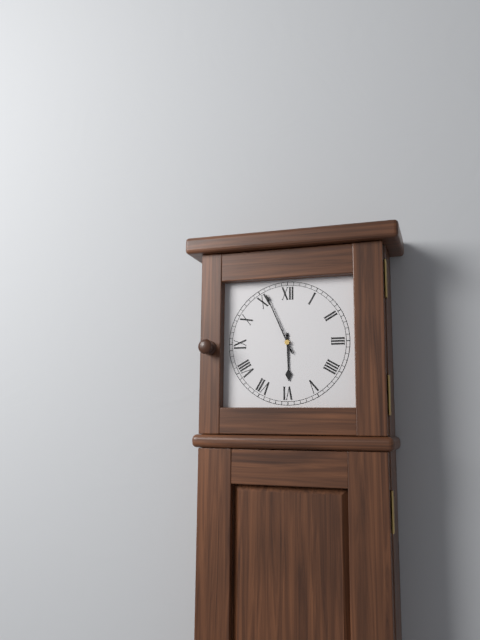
{"hour": 5, "minute": 56}
